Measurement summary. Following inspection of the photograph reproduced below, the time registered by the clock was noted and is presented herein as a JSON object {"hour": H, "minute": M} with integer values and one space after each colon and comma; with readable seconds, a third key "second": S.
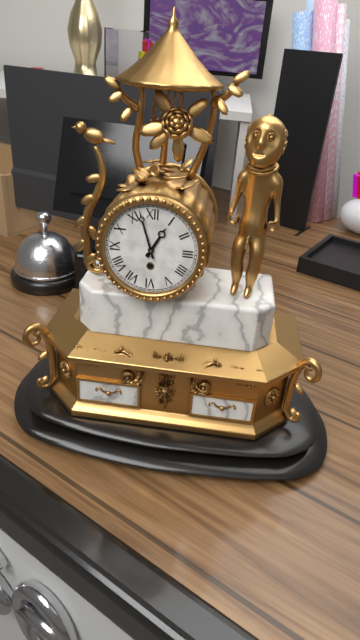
{"hour": 12, "minute": 57}
